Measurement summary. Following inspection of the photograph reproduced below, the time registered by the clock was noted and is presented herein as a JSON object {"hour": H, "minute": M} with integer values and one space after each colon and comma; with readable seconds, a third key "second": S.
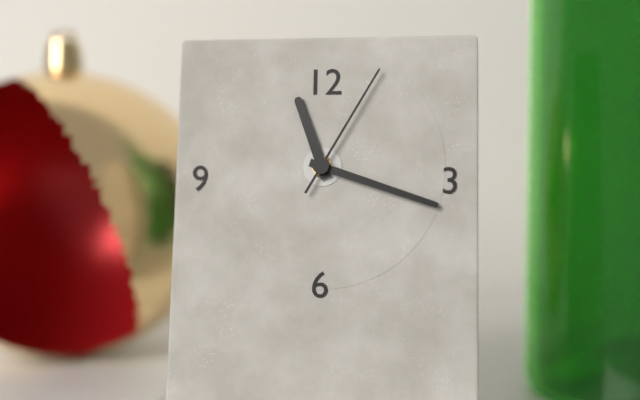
{"hour": 11, "minute": 18, "second": 5}
